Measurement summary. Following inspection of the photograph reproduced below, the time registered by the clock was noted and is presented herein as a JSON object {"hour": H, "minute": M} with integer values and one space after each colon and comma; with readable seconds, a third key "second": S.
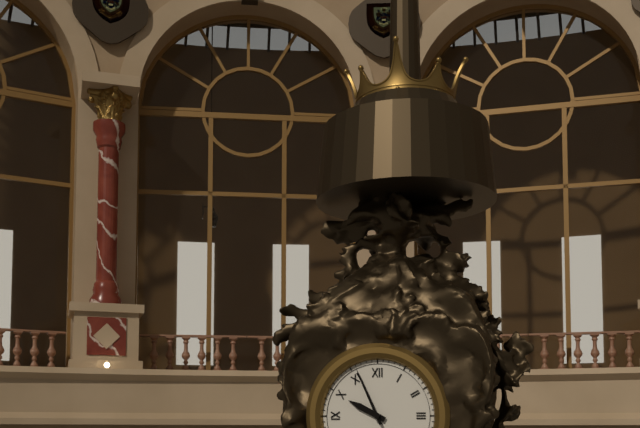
{"hour": 9, "minute": 56}
